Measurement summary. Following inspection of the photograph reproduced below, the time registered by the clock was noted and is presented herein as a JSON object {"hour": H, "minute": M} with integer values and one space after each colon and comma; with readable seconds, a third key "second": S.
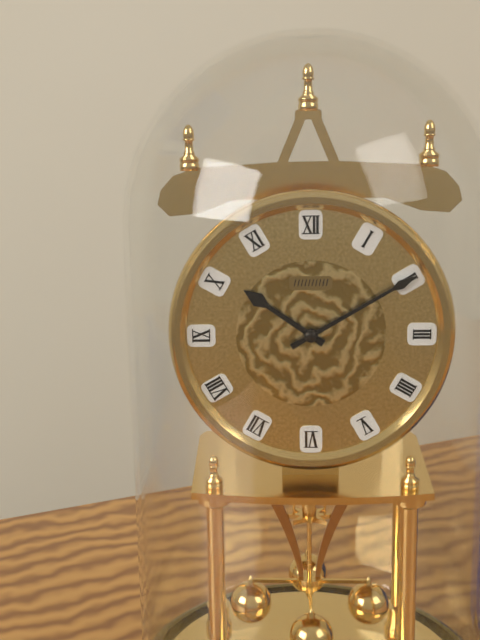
{"hour": 10, "minute": 10}
